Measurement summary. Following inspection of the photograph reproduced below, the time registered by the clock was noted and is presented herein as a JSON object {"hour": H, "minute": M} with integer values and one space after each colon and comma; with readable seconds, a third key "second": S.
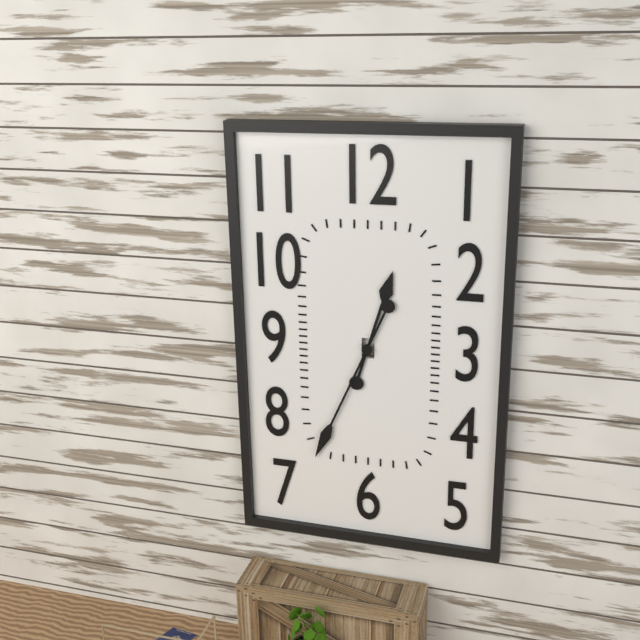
{"hour": 12, "minute": 34}
